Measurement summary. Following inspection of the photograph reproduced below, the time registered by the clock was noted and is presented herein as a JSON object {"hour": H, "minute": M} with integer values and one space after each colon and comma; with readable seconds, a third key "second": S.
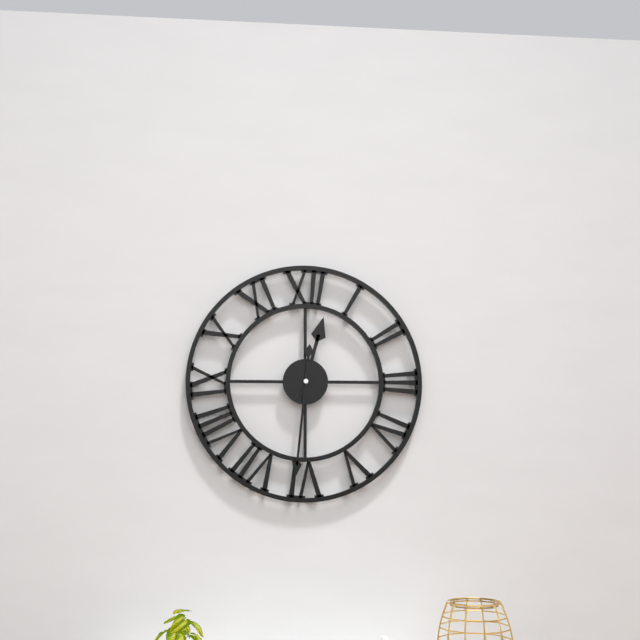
{"hour": 12, "minute": 31}
